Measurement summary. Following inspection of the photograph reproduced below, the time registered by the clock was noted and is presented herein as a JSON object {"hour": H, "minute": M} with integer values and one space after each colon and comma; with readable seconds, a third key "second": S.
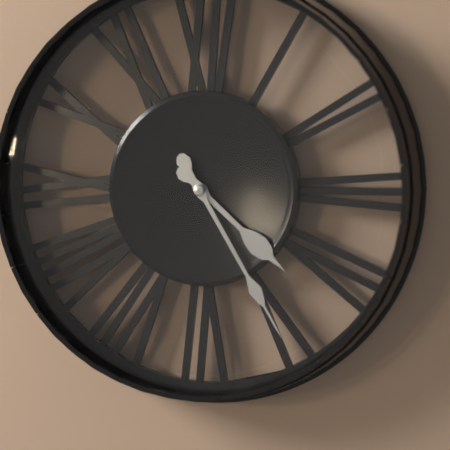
{"hour": 4, "minute": 25}
